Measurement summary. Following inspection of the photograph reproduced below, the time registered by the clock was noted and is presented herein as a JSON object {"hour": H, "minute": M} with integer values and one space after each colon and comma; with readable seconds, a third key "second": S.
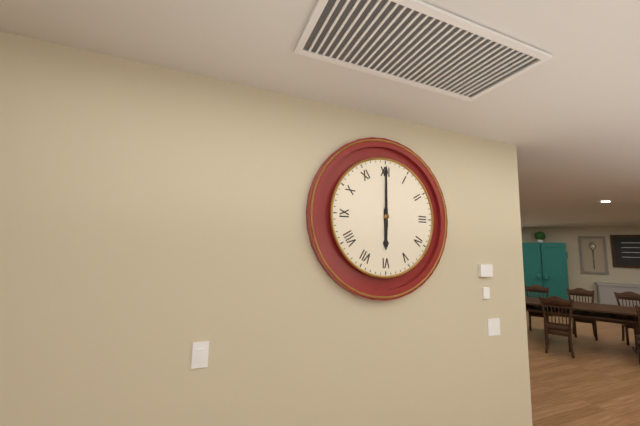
{"hour": 6, "minute": 0}
